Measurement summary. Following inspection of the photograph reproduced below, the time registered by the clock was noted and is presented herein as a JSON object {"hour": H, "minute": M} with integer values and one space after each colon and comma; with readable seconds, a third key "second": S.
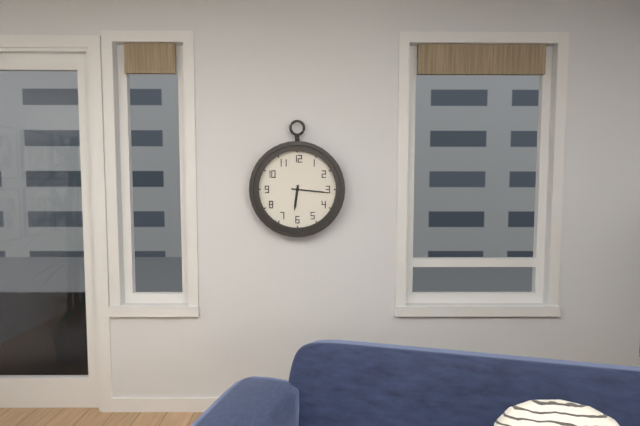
{"hour": 6, "minute": 16}
